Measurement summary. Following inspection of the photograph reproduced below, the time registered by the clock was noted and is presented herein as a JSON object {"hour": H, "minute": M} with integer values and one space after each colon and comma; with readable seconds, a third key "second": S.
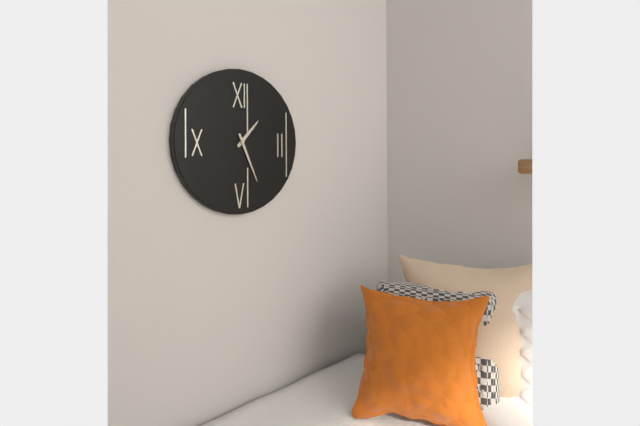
{"hour": 1, "minute": 26}
